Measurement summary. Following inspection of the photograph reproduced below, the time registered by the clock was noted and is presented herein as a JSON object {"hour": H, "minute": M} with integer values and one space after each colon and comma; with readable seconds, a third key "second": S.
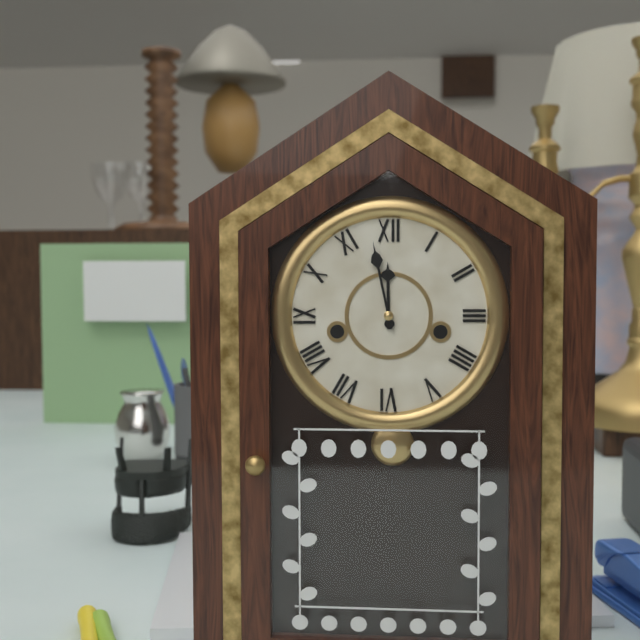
{"hour": 11, "minute": 58}
